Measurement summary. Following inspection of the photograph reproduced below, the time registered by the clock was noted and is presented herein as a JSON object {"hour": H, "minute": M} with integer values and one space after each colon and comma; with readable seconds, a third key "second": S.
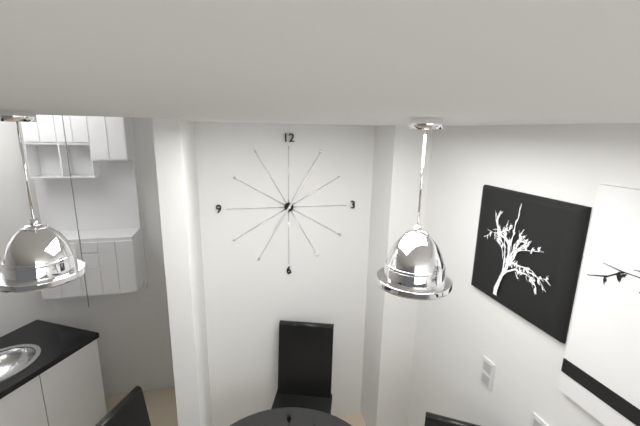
{"hour": 7, "minute": 5}
